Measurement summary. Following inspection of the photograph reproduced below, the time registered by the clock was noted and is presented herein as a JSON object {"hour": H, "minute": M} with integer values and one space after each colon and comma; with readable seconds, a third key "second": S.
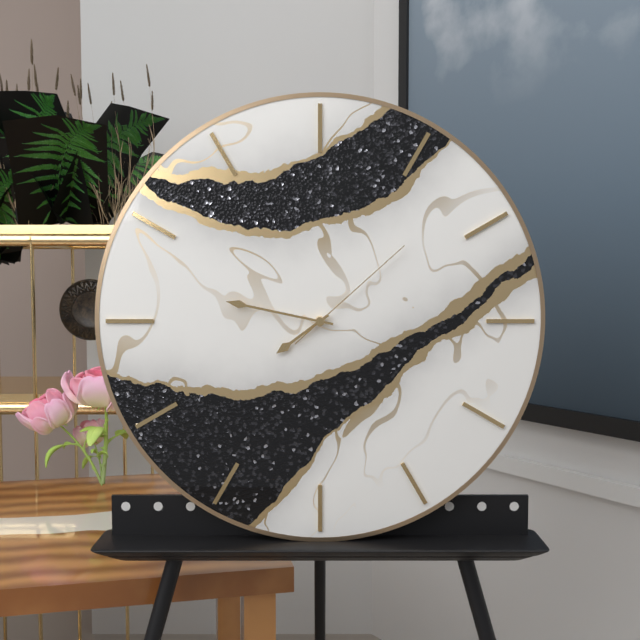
{"hour": 7, "minute": 47, "second": 8}
